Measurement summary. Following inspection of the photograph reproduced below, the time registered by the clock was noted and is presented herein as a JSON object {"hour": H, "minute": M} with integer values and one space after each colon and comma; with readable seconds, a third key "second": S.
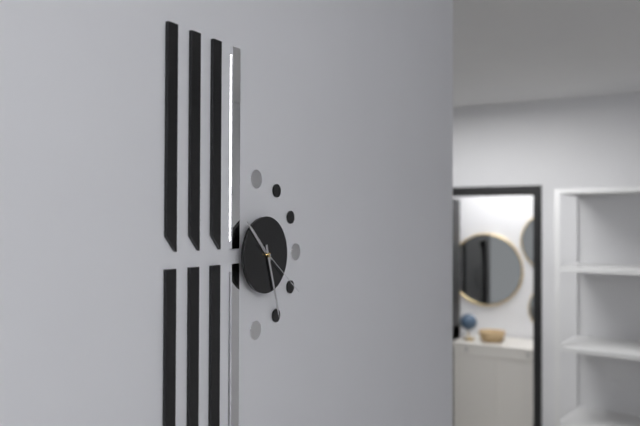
{"hour": 10, "minute": 27, "second": 21}
